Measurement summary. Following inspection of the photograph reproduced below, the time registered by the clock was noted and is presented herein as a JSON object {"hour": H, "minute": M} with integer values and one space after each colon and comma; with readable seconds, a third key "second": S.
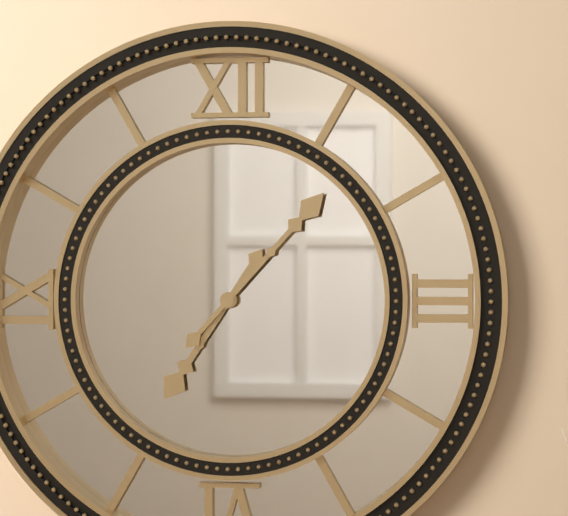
{"hour": 7, "minute": 7}
